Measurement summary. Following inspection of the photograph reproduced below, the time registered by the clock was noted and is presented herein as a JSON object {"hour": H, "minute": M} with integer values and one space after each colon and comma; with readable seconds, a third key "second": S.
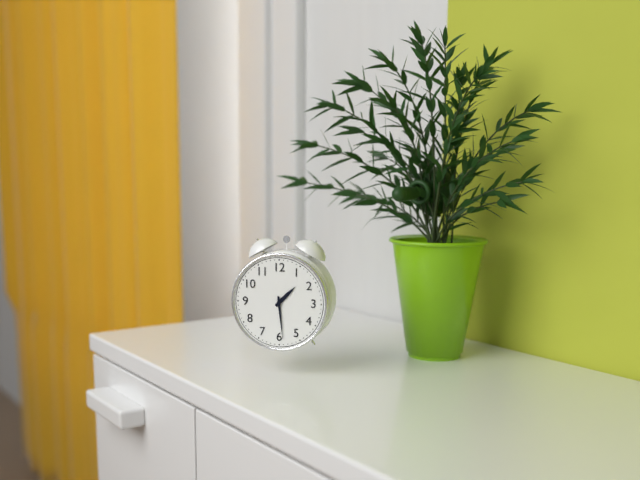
{"hour": 1, "minute": 29}
